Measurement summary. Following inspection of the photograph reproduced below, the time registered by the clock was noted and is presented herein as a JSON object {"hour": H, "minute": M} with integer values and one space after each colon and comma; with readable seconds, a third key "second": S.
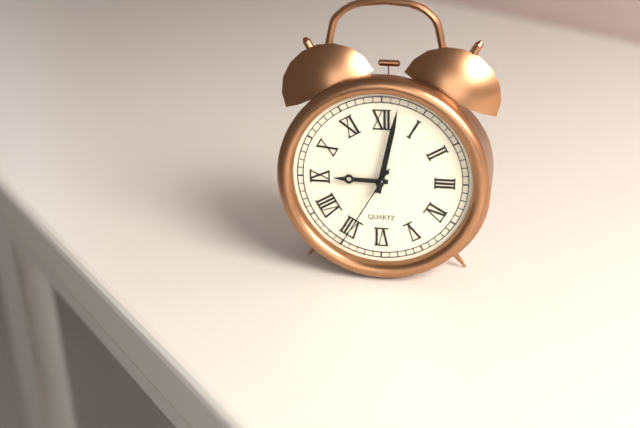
{"hour": 9, "minute": 2, "second": 35}
